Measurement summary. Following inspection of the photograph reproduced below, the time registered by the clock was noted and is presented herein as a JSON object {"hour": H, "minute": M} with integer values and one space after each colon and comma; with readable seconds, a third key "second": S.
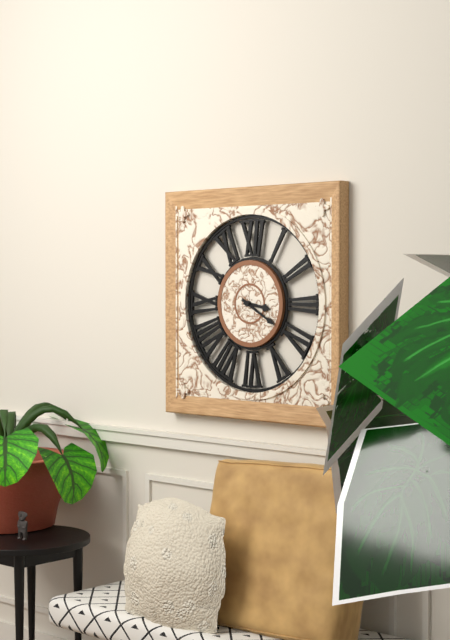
{"hour": 3, "minute": 20}
